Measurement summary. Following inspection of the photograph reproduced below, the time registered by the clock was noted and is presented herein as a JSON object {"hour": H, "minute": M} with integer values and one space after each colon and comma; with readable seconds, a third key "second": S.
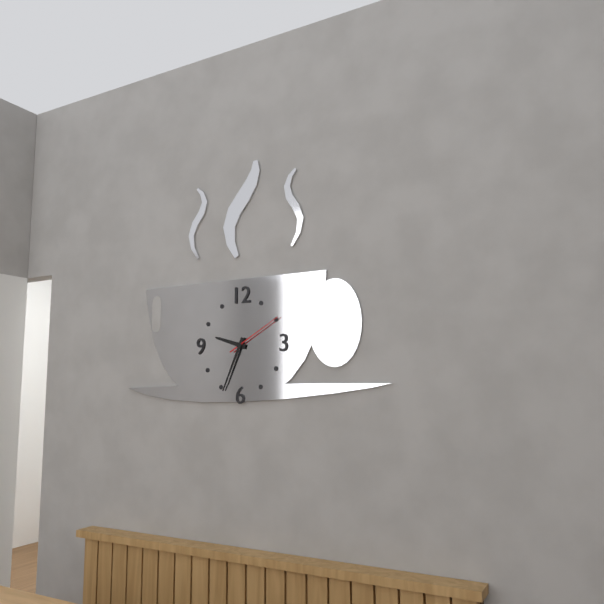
{"hour": 9, "minute": 34, "second": 10}
